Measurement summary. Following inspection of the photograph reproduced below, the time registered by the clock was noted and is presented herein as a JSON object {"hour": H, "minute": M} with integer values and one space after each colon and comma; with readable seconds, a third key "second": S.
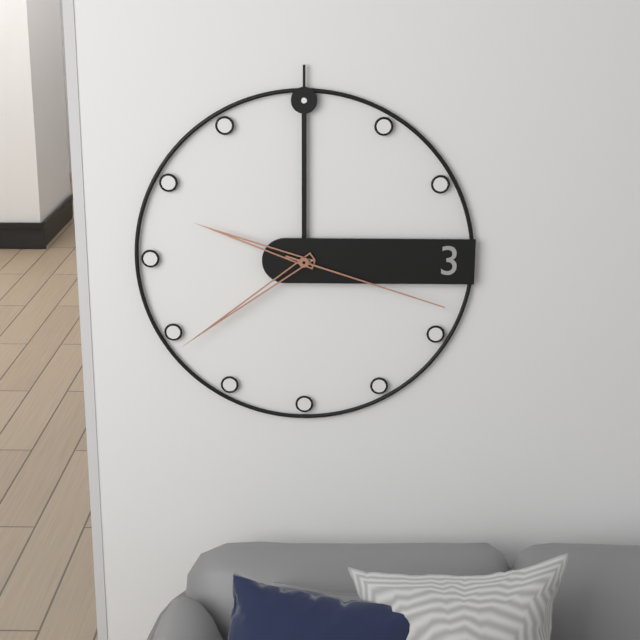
{"hour": 9, "minute": 39, "second": 18}
